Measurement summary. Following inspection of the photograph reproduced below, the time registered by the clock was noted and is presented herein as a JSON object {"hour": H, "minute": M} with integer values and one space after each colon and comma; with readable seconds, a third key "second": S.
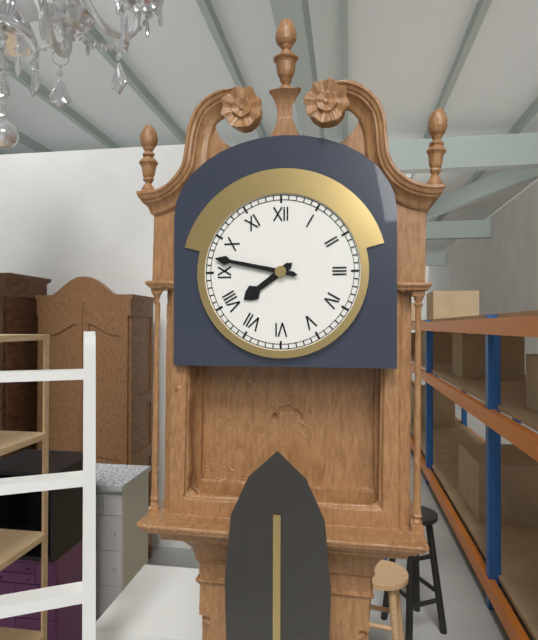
{"hour": 7, "minute": 47}
